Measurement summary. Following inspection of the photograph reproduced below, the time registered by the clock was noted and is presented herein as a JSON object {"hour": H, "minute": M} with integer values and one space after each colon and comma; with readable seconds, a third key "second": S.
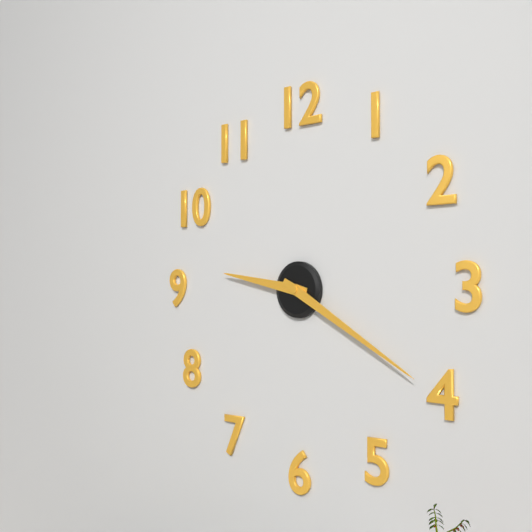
{"hour": 9, "minute": 20}
